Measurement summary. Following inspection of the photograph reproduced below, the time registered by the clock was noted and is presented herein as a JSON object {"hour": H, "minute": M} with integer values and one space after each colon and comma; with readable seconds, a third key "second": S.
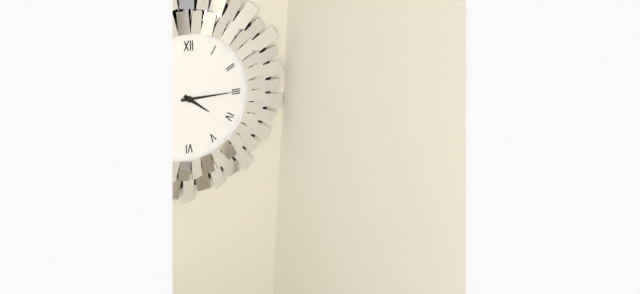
{"hour": 4, "minute": 15}
